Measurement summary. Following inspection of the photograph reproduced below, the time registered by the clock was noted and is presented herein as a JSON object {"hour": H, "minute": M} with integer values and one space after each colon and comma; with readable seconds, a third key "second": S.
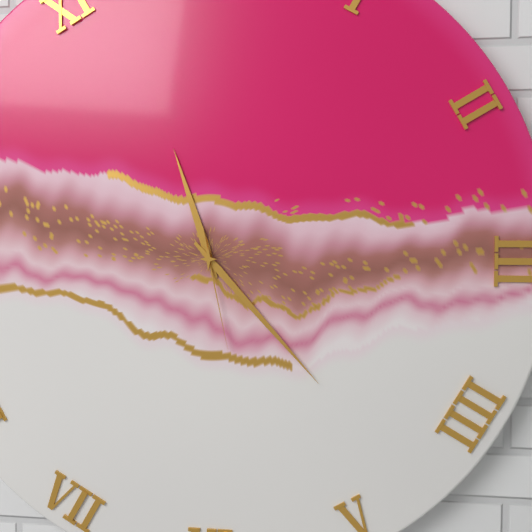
{"hour": 11, "minute": 23, "second": 28}
